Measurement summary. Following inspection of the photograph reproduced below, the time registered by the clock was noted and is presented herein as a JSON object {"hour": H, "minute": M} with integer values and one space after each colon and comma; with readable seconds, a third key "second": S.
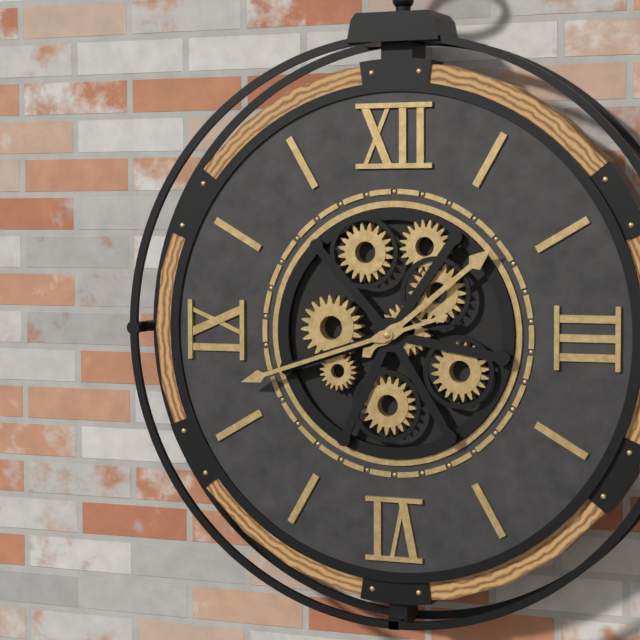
{"hour": 1, "minute": 42}
